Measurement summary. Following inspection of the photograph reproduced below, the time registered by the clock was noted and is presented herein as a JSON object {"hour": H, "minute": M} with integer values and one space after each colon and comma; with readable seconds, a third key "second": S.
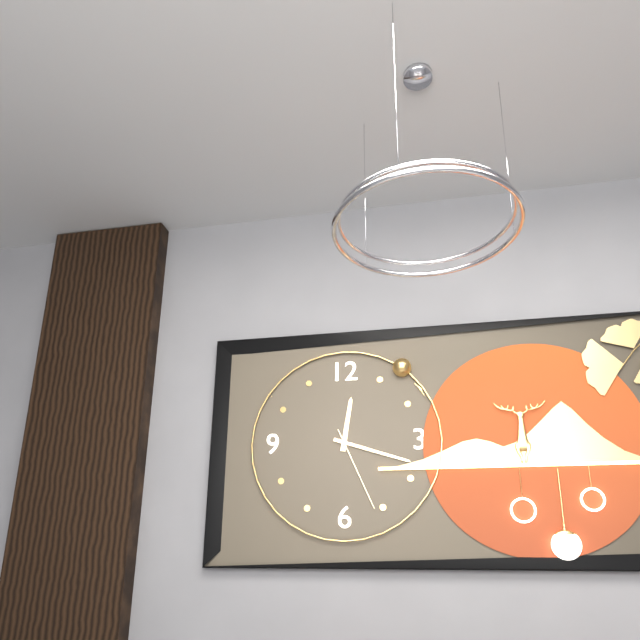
{"hour": 12, "minute": 18, "second": 26}
